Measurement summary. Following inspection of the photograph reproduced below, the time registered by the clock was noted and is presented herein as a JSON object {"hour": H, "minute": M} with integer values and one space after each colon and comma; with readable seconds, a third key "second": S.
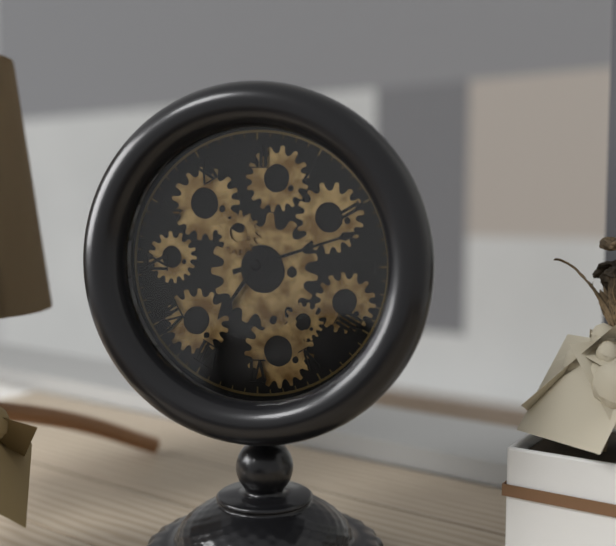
{"hour": 7, "minute": 12}
